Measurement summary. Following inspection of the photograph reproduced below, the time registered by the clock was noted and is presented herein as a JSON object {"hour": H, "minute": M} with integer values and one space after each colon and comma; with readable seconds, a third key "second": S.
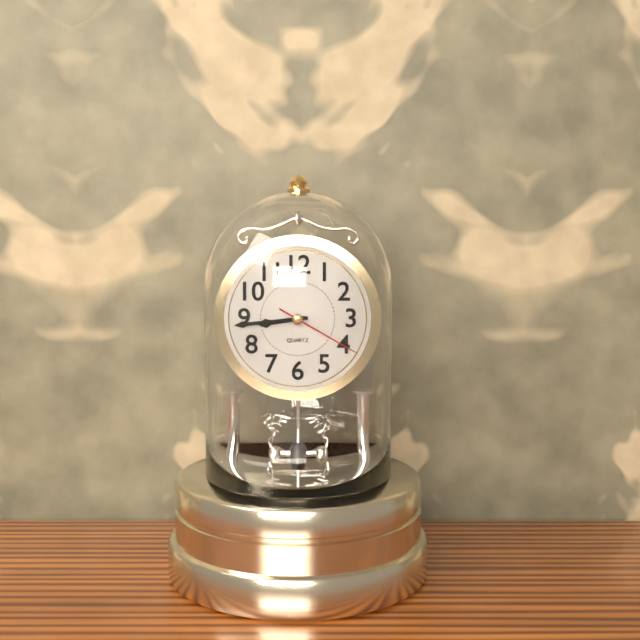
{"hour": 8, "minute": 44, "second": 20}
